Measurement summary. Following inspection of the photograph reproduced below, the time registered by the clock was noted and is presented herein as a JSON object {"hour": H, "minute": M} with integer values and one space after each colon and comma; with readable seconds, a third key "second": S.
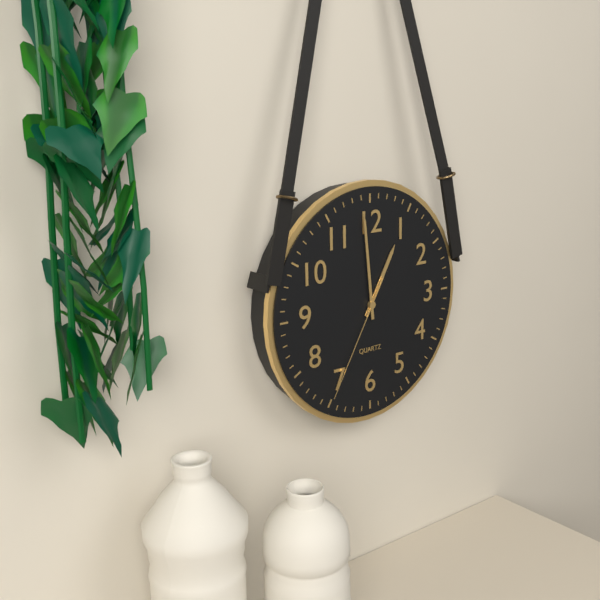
{"hour": 12, "minute": 59, "second": 35}
